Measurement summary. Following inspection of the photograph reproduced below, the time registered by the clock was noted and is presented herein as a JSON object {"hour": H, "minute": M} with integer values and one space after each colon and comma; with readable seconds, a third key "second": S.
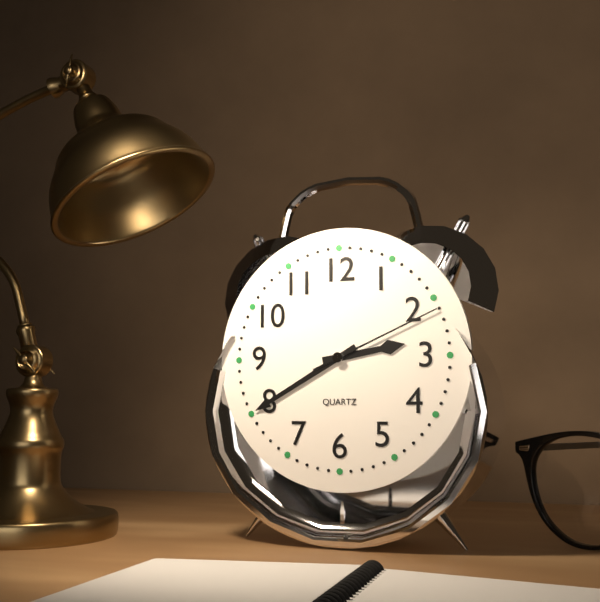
{"hour": 2, "minute": 40, "second": 11}
